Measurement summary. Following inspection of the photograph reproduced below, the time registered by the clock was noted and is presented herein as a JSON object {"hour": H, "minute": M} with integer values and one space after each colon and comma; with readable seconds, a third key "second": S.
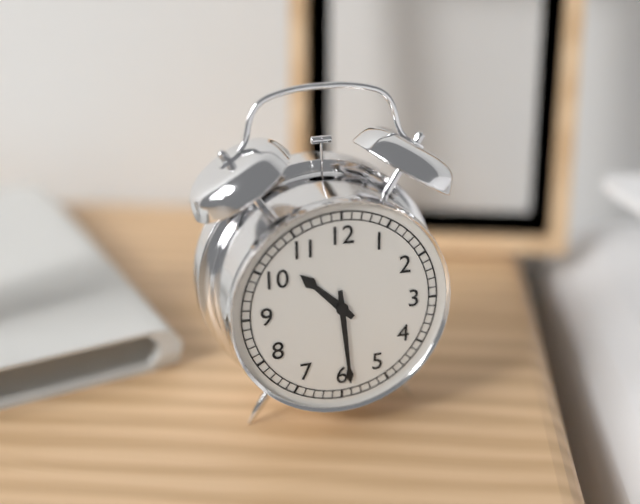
{"hour": 10, "minute": 29}
